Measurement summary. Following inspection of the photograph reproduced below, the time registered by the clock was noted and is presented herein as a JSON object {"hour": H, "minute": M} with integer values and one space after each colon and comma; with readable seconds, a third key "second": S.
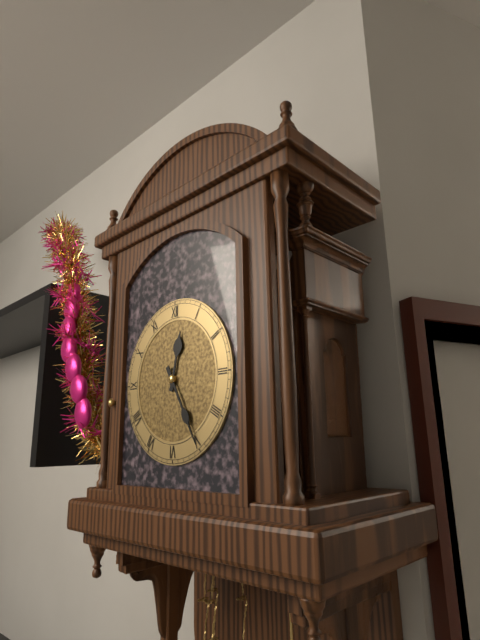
{"hour": 12, "minute": 25}
